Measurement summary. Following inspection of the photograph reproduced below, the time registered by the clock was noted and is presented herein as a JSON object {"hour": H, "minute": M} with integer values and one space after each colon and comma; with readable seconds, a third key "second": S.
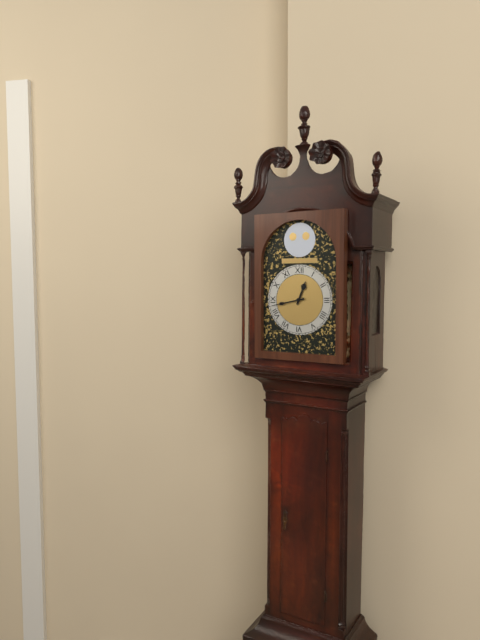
{"hour": 12, "minute": 43}
